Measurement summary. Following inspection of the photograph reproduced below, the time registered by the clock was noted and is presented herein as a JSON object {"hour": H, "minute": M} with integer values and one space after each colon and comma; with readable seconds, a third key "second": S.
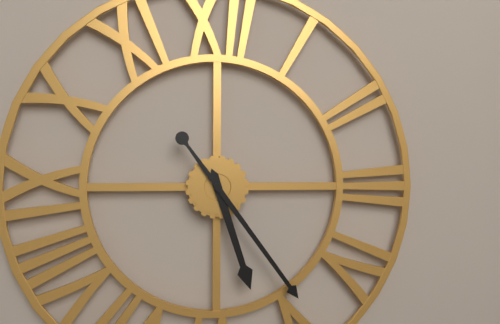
{"hour": 5, "minute": 24}
